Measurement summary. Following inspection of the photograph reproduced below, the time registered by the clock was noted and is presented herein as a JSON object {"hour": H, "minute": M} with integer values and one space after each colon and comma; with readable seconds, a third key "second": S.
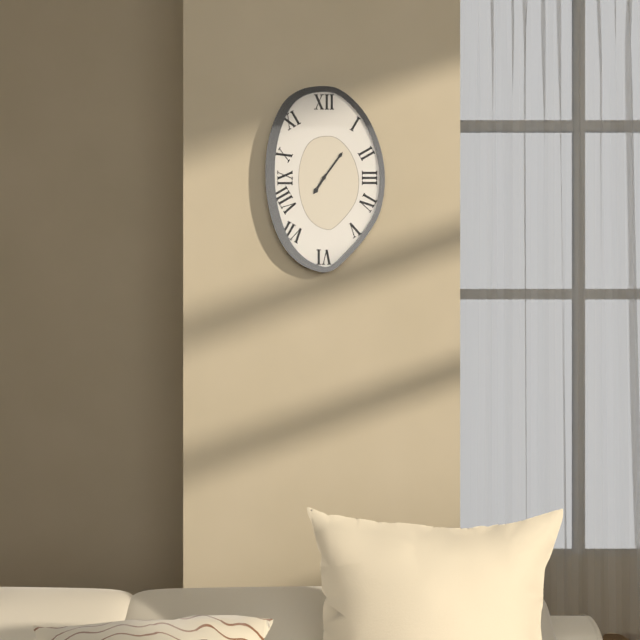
{"hour": 7, "minute": 6}
